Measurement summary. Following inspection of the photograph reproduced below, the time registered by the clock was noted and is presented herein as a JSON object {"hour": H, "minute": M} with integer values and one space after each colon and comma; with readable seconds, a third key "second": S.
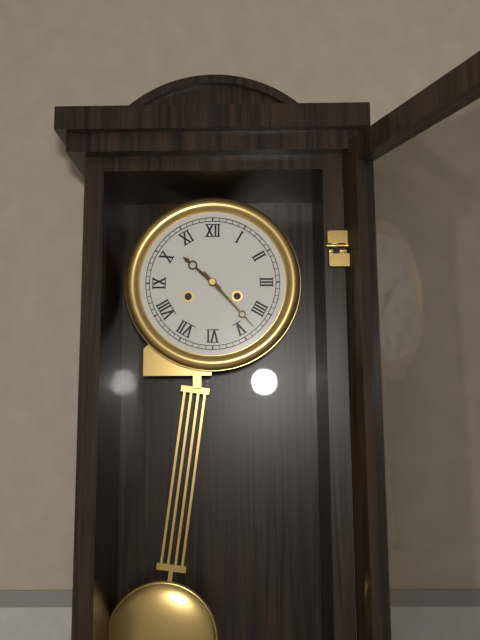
{"hour": 10, "minute": 23}
